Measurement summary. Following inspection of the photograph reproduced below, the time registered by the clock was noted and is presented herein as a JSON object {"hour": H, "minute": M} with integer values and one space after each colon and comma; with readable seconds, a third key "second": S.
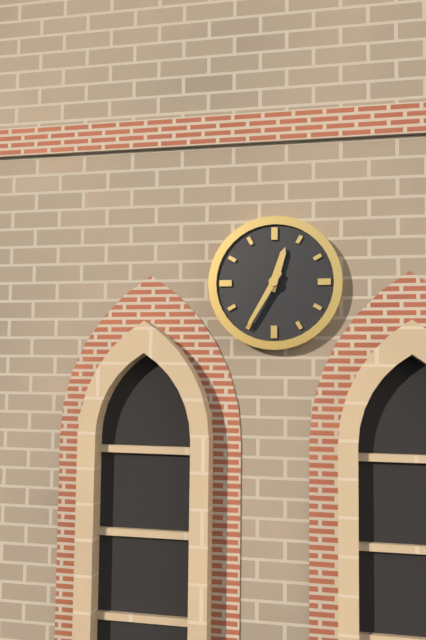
{"hour": 12, "minute": 35}
